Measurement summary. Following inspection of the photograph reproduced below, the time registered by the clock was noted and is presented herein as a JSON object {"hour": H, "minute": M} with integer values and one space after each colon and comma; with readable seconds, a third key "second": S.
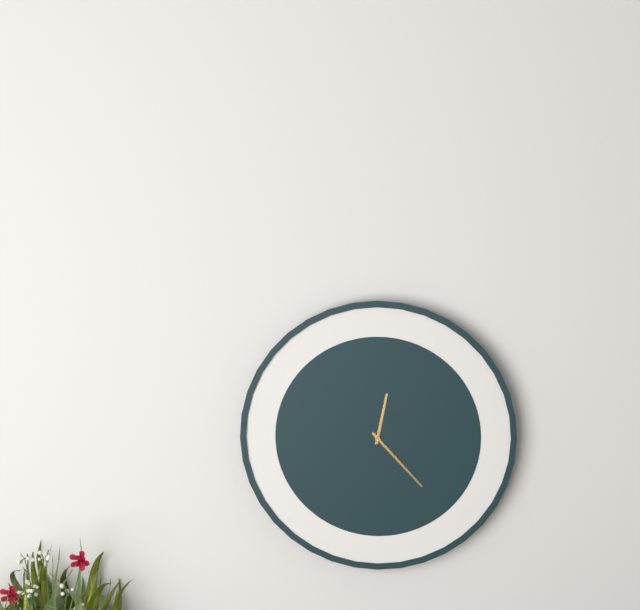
{"hour": 12, "minute": 23}
